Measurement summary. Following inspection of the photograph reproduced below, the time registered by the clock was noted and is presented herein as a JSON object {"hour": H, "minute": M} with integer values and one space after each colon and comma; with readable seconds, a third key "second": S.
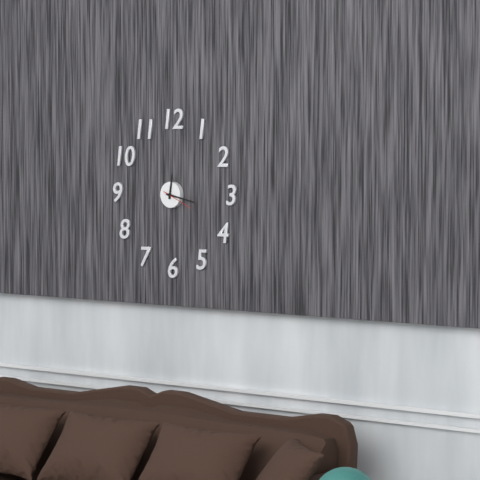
{"hour": 12, "minute": 17}
